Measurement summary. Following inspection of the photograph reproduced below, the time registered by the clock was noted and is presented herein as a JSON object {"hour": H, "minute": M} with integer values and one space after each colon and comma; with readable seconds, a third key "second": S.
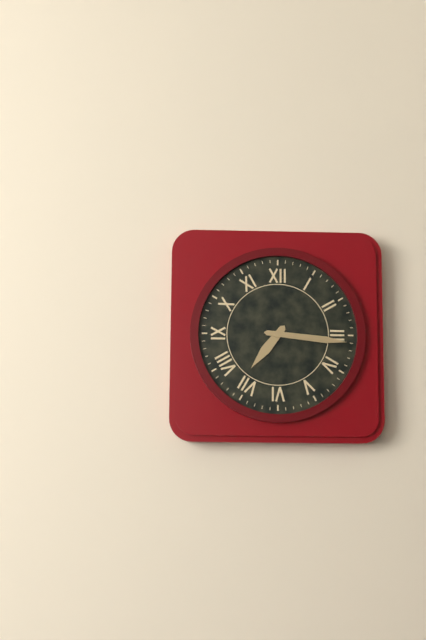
{"hour": 7, "minute": 16}
